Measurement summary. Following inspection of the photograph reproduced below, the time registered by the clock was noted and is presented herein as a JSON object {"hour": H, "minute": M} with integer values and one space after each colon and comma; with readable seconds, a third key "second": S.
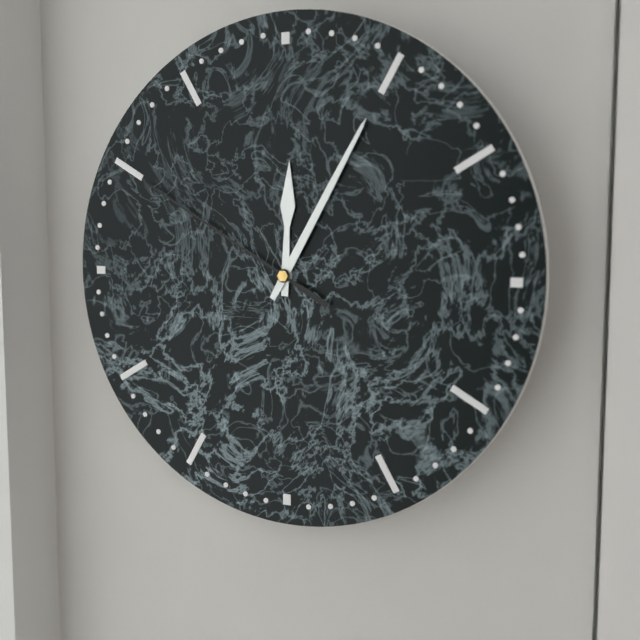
{"hour": 12, "minute": 5, "second": 50}
